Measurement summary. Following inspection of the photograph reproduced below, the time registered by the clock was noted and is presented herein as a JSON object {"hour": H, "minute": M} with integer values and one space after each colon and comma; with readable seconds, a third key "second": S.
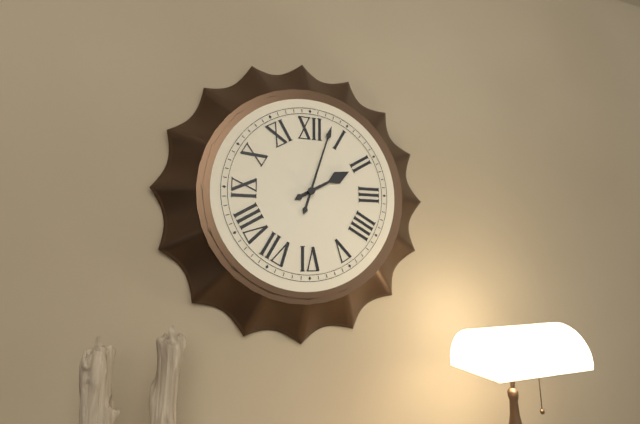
{"hour": 2, "minute": 3}
